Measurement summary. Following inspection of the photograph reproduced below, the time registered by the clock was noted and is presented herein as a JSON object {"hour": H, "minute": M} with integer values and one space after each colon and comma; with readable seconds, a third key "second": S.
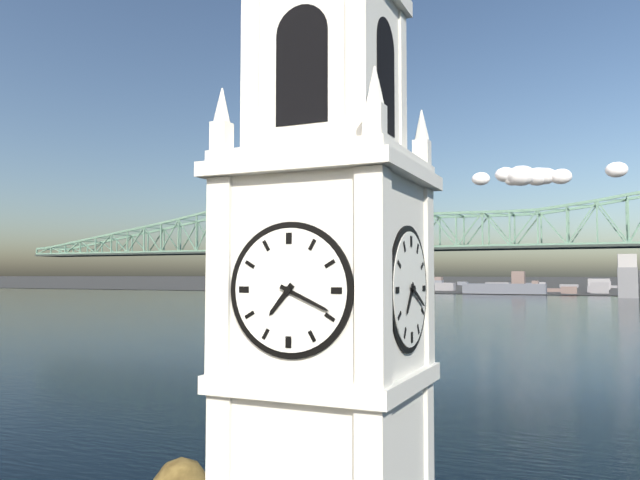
{"hour": 7, "minute": 19}
